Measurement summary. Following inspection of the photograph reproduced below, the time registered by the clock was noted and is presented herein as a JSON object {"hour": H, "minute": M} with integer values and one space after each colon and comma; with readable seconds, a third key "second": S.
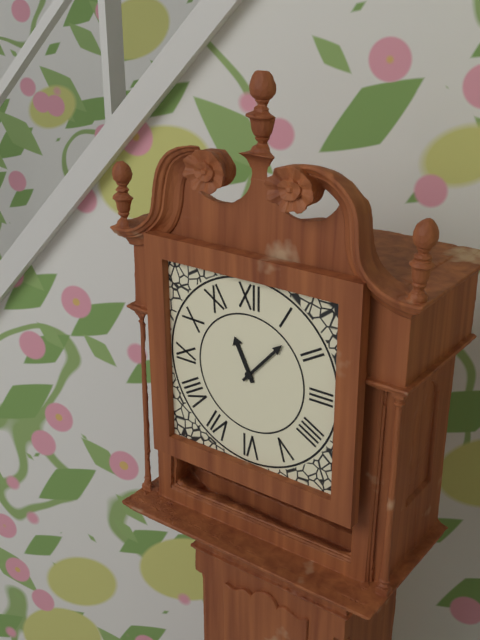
{"hour": 11, "minute": 7}
